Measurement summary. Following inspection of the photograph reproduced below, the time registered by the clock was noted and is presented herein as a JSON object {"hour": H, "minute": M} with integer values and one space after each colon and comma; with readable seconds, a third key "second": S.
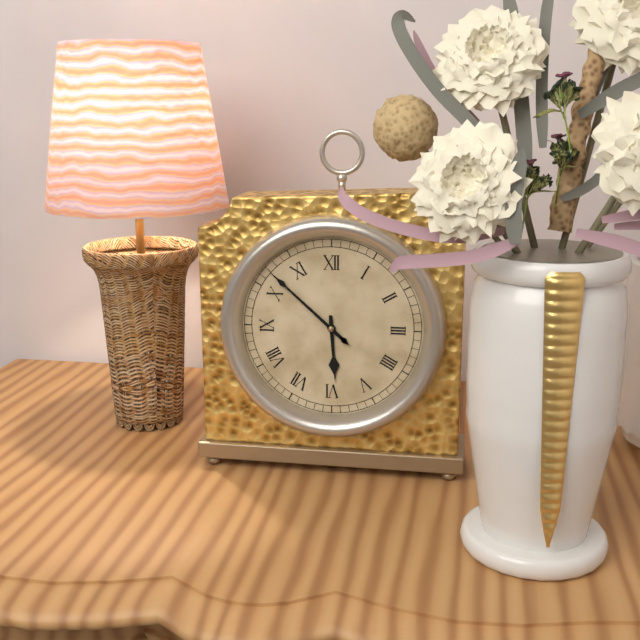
{"hour": 5, "minute": 52}
